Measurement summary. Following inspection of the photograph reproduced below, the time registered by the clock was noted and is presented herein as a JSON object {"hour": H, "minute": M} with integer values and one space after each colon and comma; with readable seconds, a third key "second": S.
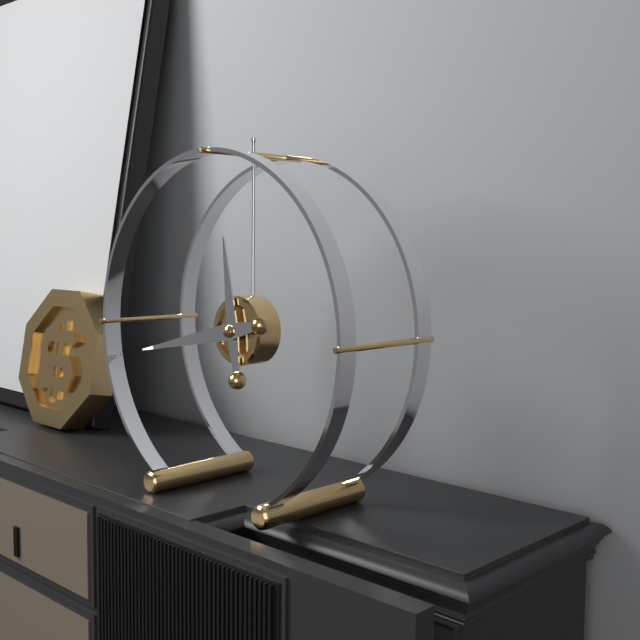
{"hour": 11, "minute": 43}
